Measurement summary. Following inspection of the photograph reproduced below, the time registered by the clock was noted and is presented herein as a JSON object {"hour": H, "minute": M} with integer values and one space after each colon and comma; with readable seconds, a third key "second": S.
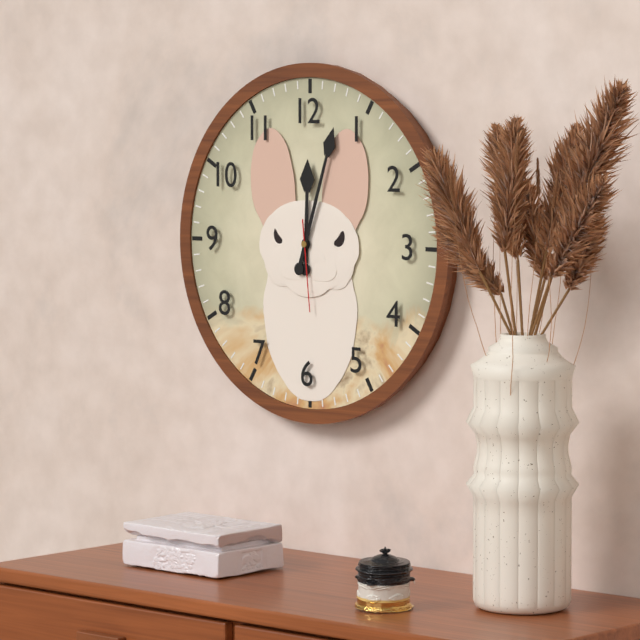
{"hour": 12, "minute": 3, "second": 29}
